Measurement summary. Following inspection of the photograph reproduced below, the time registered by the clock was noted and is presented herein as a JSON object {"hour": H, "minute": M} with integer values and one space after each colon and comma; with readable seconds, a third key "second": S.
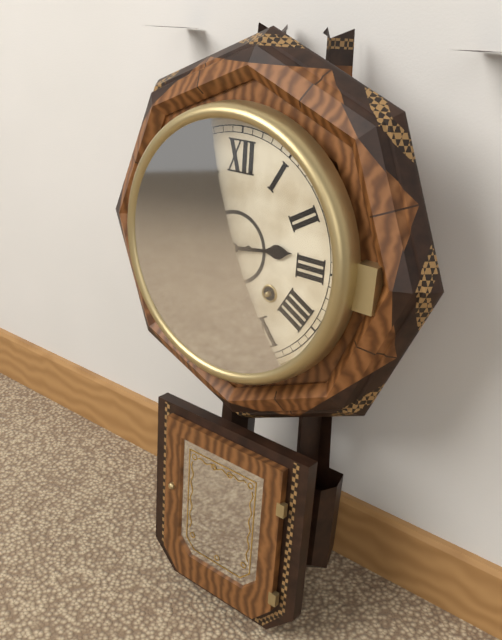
{"hour": 2, "minute": 43}
